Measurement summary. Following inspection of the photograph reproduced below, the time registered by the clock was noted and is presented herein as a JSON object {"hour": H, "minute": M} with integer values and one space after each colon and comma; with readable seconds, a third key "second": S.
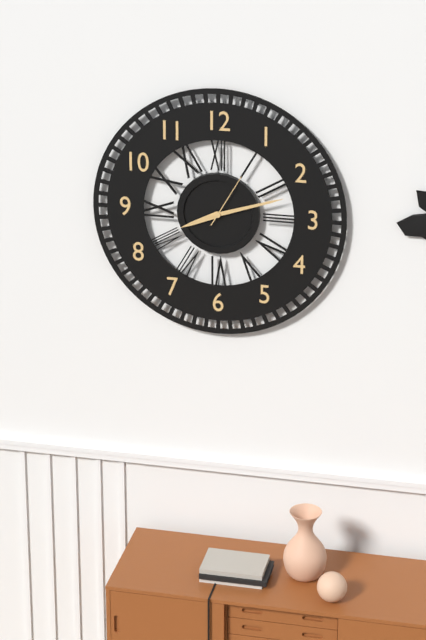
{"hour": 8, "minute": 12, "second": 5}
